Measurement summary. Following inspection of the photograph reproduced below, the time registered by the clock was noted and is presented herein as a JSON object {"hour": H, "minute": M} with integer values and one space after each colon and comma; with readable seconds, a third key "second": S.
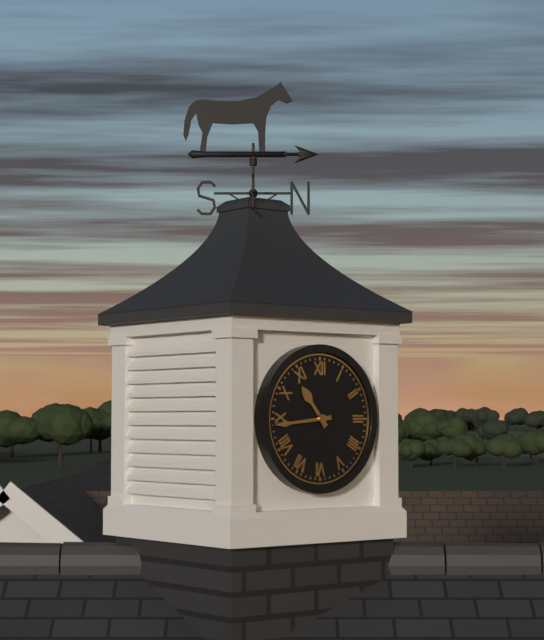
{"hour": 10, "minute": 44}
